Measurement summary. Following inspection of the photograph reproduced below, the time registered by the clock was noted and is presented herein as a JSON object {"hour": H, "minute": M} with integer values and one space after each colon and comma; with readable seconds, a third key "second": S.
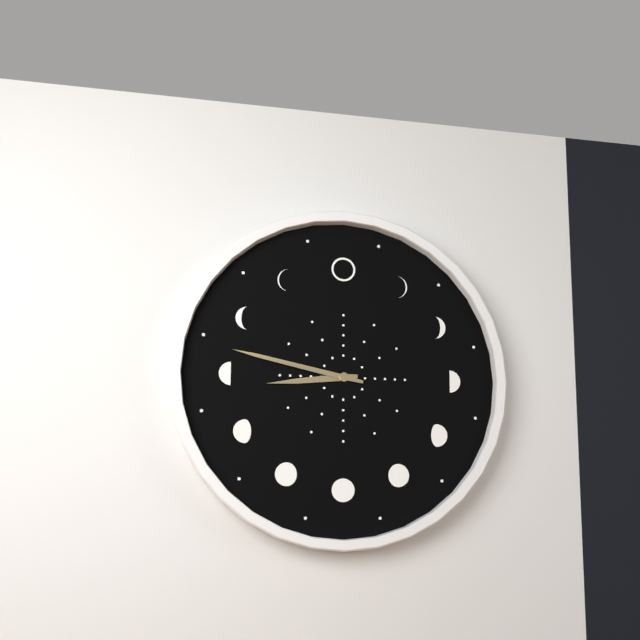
{"hour": 8, "minute": 47}
